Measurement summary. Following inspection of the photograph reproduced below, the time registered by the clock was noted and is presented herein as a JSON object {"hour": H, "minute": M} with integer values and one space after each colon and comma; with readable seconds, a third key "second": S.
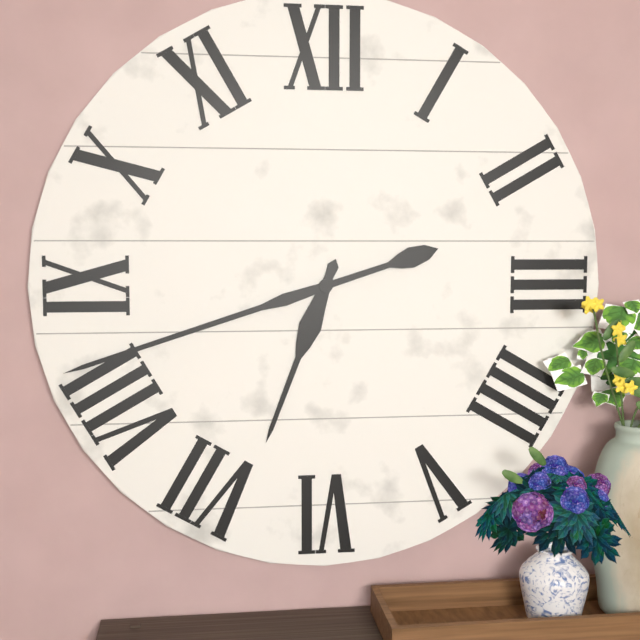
{"hour": 6, "minute": 42}
